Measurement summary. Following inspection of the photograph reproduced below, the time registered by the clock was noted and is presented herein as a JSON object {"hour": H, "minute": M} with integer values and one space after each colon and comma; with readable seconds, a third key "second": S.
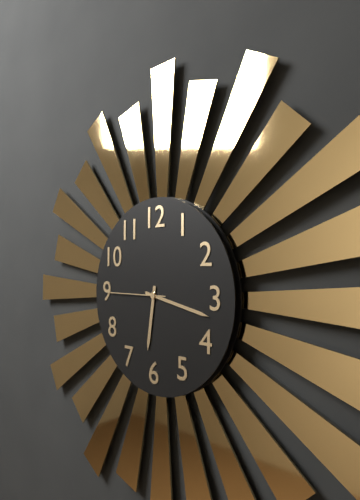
{"hour": 6, "minute": 17, "second": 45}
